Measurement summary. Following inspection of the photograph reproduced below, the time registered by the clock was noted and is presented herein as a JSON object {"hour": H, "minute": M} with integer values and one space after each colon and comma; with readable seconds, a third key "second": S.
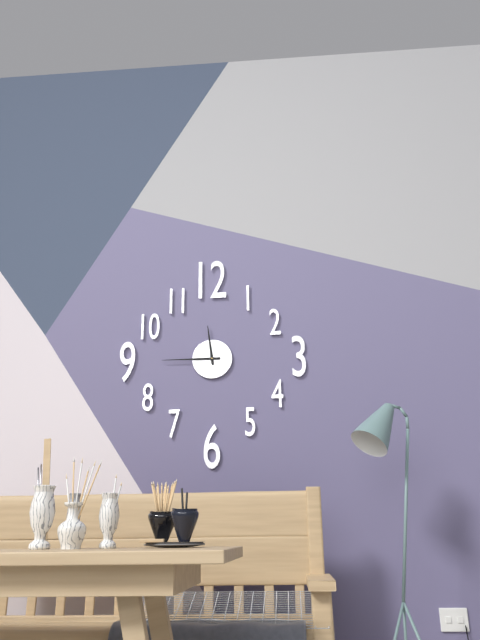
{"hour": 11, "minute": 45}
